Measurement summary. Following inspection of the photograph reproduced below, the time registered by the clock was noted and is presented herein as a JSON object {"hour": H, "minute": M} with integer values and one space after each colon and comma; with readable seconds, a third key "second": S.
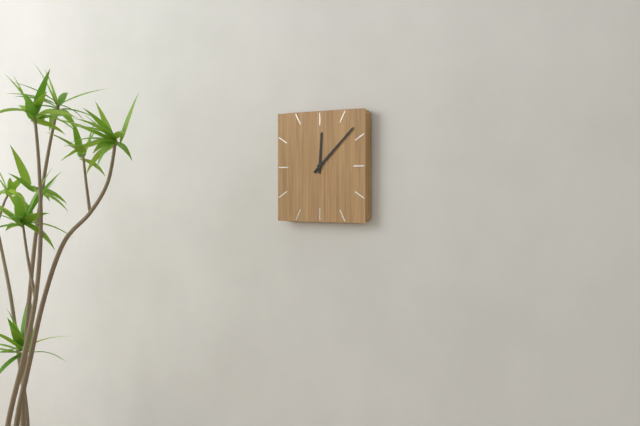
{"hour": 12, "minute": 8}
